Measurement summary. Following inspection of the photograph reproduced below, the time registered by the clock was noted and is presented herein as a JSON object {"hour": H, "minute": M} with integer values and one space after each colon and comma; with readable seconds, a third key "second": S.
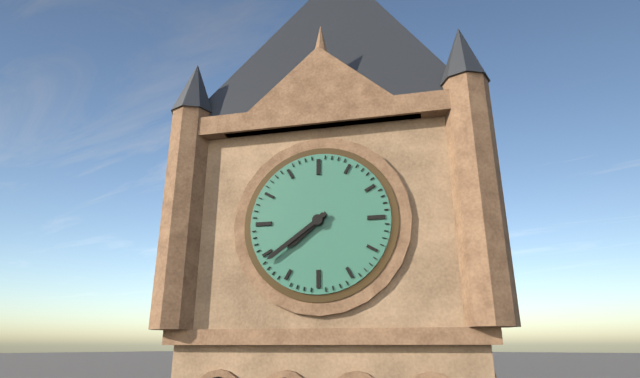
{"hour": 7, "minute": 39}
